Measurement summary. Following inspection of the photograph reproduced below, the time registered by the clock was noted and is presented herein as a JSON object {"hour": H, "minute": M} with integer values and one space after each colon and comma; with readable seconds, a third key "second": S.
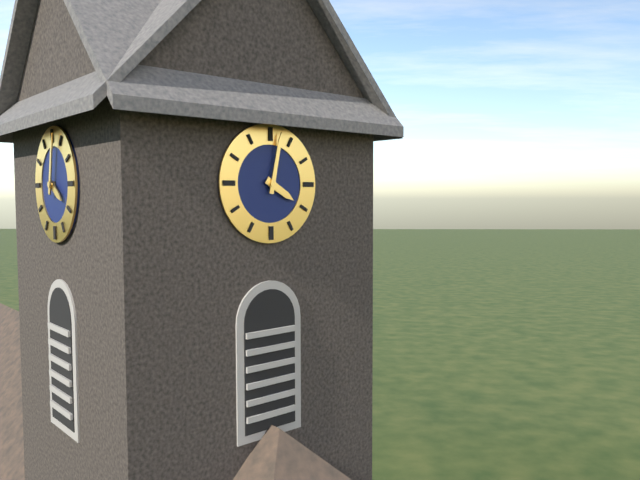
{"hour": 4, "minute": 2}
